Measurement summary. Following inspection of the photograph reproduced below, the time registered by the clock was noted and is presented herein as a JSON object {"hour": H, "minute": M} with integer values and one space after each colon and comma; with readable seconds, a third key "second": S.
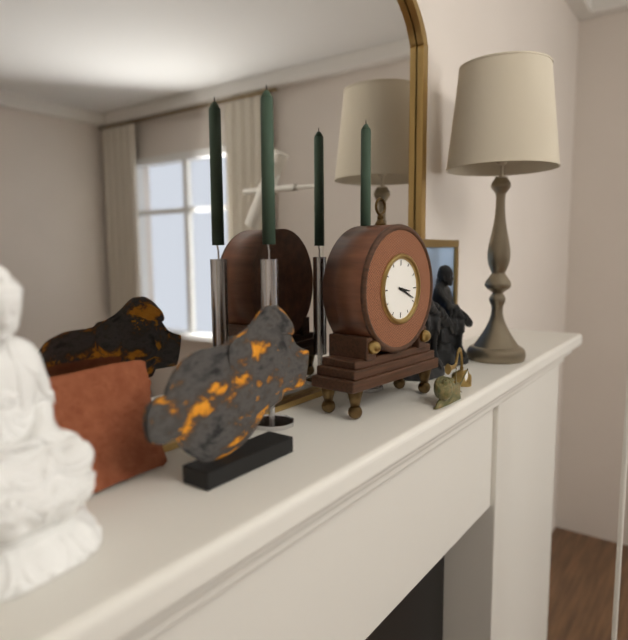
{"hour": 3, "minute": 19}
